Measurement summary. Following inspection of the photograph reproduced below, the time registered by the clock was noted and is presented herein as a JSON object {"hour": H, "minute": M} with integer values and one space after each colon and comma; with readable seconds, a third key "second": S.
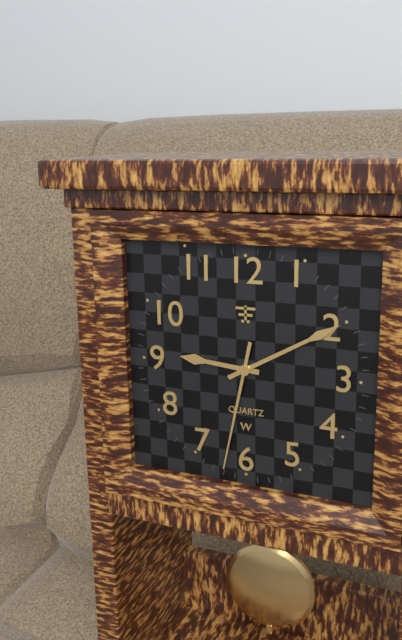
{"hour": 9, "minute": 10, "second": 32}
